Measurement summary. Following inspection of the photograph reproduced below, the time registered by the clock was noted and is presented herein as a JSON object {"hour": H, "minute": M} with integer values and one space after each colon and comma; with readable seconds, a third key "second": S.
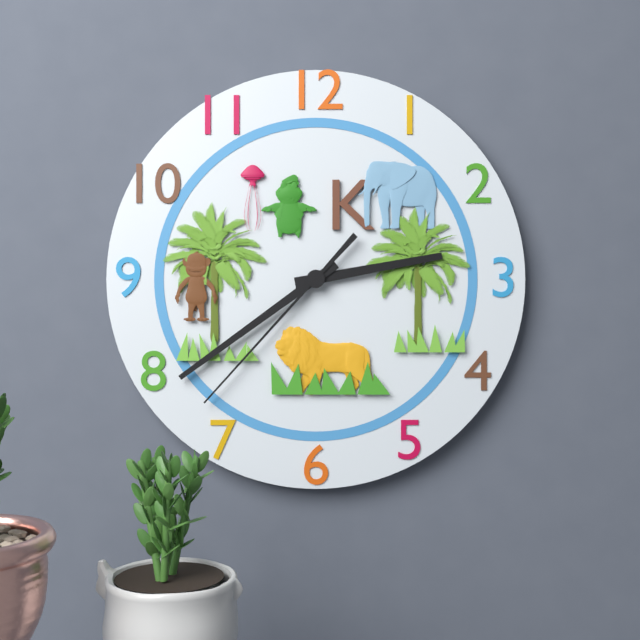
{"hour": 2, "minute": 39, "second": 37}
